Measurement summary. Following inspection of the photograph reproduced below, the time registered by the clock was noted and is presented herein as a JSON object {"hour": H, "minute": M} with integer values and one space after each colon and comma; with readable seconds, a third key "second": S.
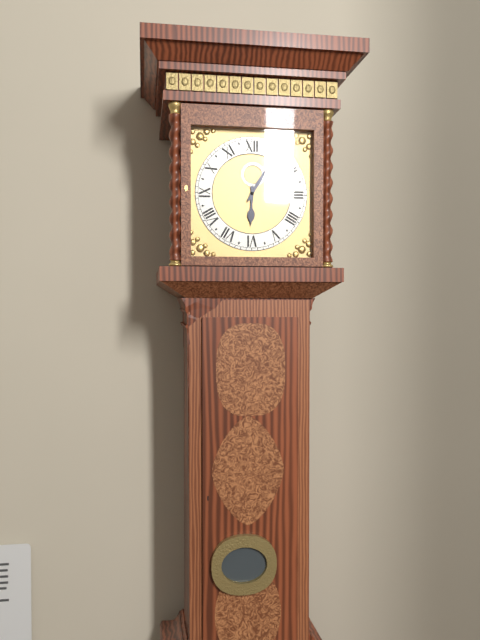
{"hour": 6, "minute": 5}
